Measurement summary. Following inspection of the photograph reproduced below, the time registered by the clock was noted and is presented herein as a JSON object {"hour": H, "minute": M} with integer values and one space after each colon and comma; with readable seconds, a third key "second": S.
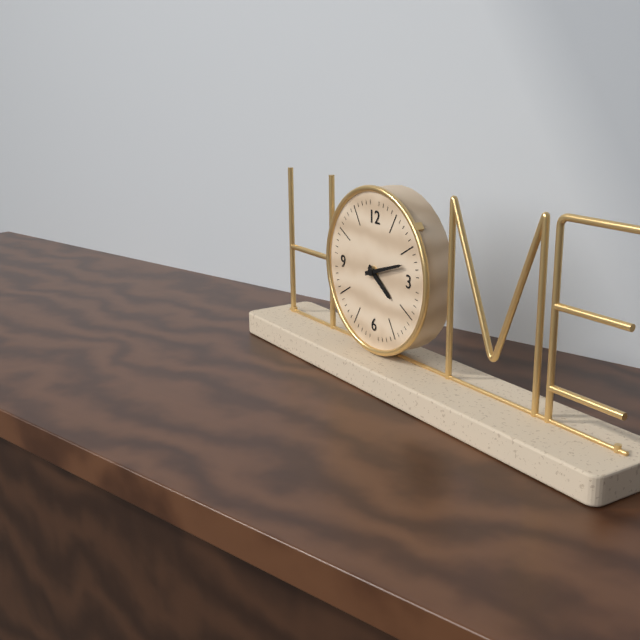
{"hour": 4, "minute": 12}
